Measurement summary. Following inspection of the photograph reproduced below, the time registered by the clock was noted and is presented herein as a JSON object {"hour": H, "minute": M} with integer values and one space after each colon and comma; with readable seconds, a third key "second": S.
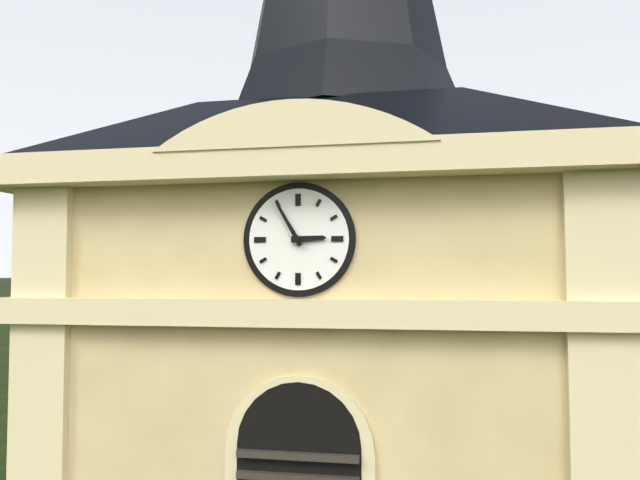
{"hour": 2, "minute": 55}
